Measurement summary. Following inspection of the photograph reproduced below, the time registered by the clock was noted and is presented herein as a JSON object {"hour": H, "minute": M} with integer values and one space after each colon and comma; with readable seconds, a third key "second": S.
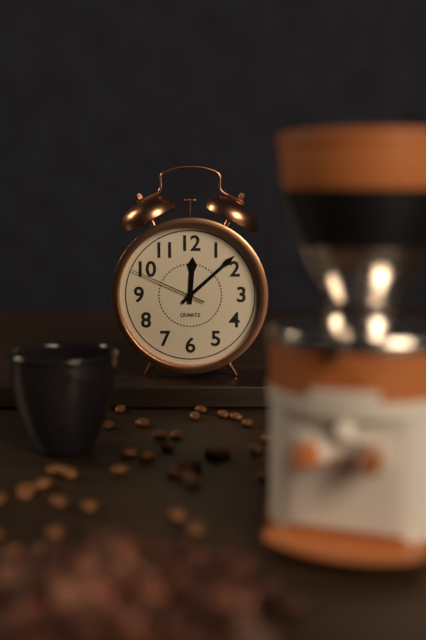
{"hour": 12, "minute": 8, "second": 49}
